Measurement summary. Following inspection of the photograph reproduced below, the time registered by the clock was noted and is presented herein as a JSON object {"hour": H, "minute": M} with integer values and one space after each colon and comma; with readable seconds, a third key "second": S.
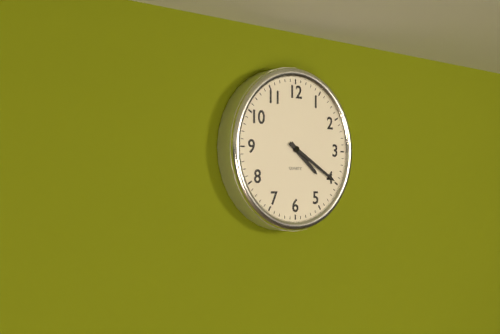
{"hour": 4, "minute": 20}
